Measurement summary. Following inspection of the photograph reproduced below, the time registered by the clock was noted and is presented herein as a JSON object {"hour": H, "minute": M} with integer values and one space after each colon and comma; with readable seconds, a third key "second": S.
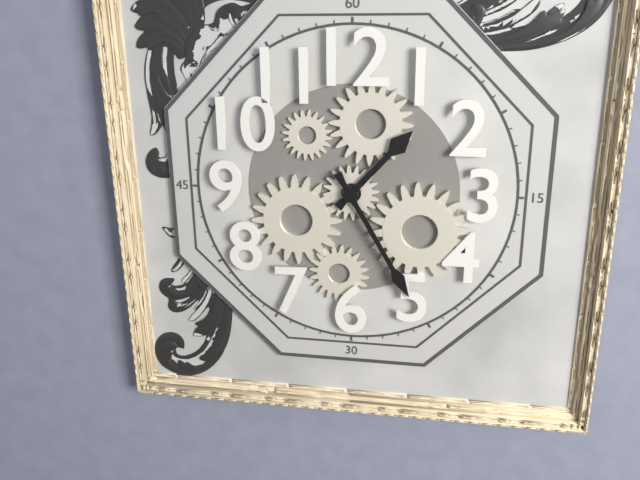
{"hour": 1, "minute": 25}
